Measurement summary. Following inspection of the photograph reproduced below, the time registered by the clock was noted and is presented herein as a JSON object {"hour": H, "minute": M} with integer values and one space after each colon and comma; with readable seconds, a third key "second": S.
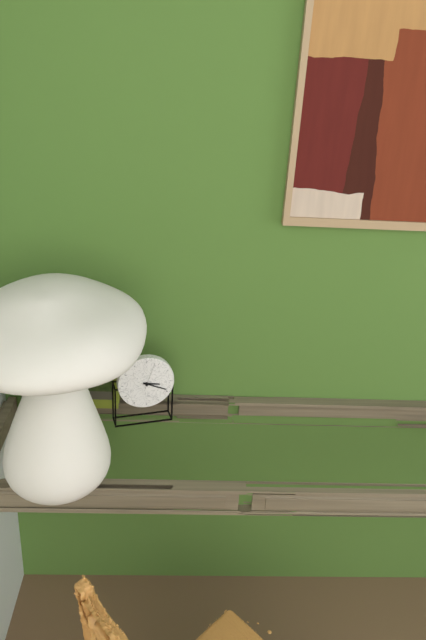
{"hour": 3, "minute": 19}
